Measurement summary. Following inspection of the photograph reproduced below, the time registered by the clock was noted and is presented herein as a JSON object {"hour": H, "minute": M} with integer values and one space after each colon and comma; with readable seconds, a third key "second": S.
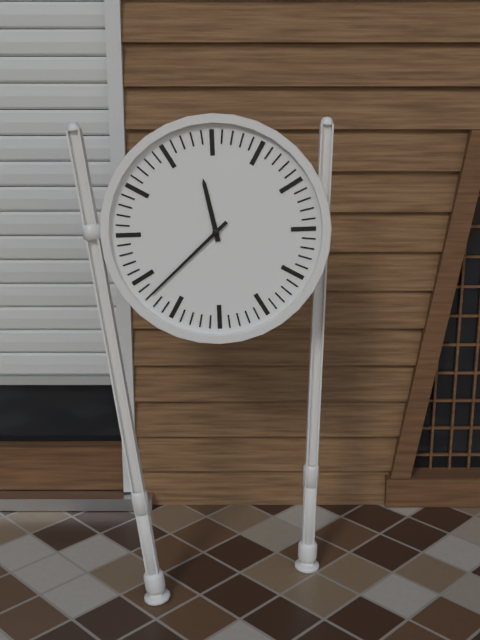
{"hour": 11, "minute": 38}
